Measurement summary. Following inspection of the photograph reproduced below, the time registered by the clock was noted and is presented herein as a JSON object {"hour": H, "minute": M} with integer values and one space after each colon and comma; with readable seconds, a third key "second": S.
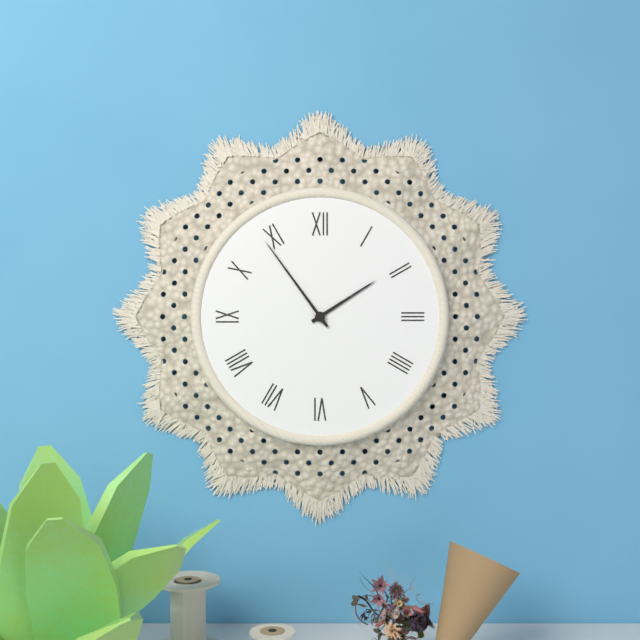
{"hour": 1, "minute": 54}
